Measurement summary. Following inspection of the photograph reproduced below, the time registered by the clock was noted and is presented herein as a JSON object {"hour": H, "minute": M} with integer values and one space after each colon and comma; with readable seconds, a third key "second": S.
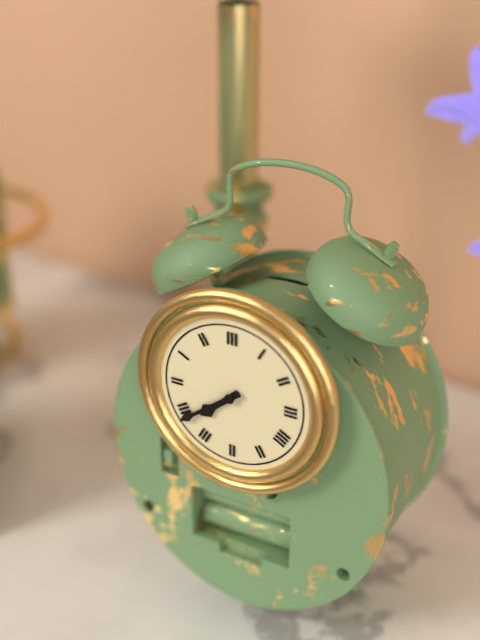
{"hour": 7, "minute": 39}
